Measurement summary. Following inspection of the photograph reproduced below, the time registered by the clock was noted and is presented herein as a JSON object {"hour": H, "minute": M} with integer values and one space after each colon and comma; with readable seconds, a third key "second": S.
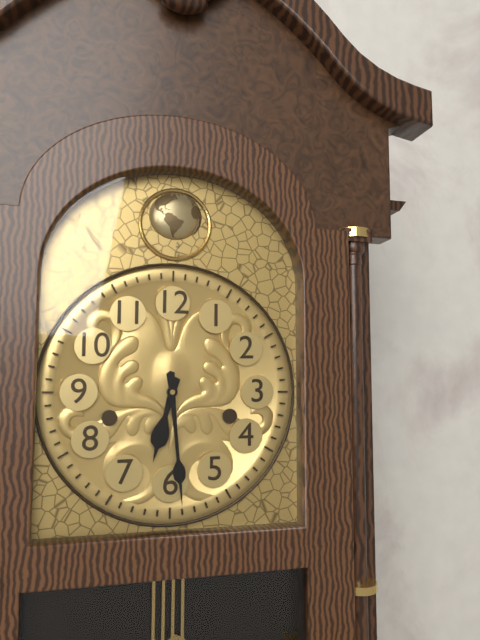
{"hour": 6, "minute": 29}
